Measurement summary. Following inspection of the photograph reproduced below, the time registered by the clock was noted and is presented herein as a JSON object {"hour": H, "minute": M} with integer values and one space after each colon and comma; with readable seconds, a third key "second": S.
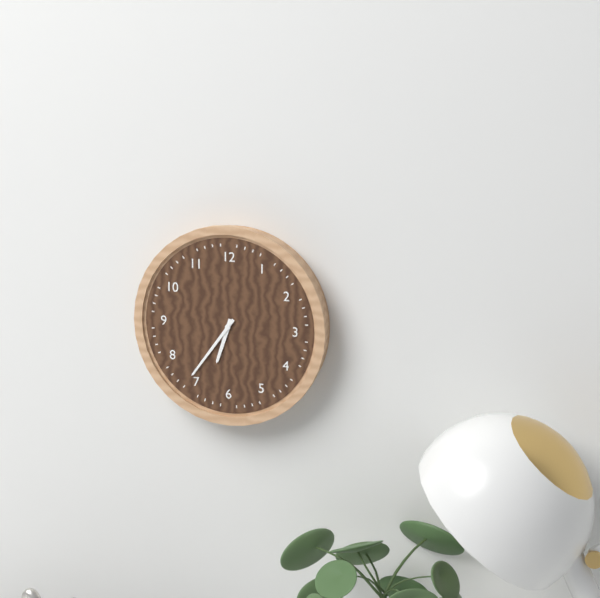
{"hour": 6, "minute": 36}
